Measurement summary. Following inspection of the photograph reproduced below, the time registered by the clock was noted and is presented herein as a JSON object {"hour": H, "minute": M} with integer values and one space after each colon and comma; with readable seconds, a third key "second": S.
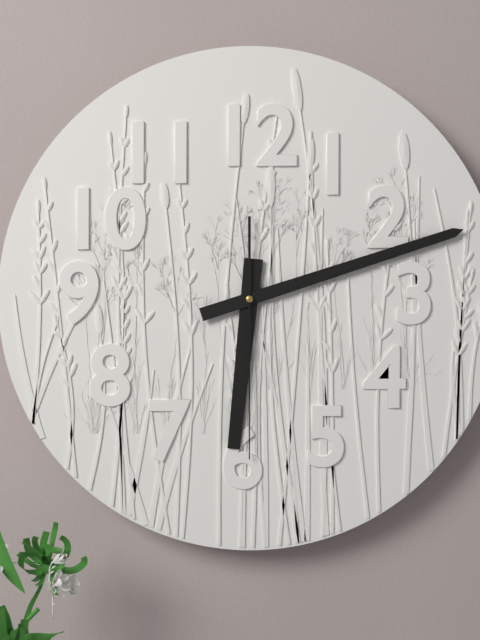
{"hour": 6, "minute": 12, "second": 30}
